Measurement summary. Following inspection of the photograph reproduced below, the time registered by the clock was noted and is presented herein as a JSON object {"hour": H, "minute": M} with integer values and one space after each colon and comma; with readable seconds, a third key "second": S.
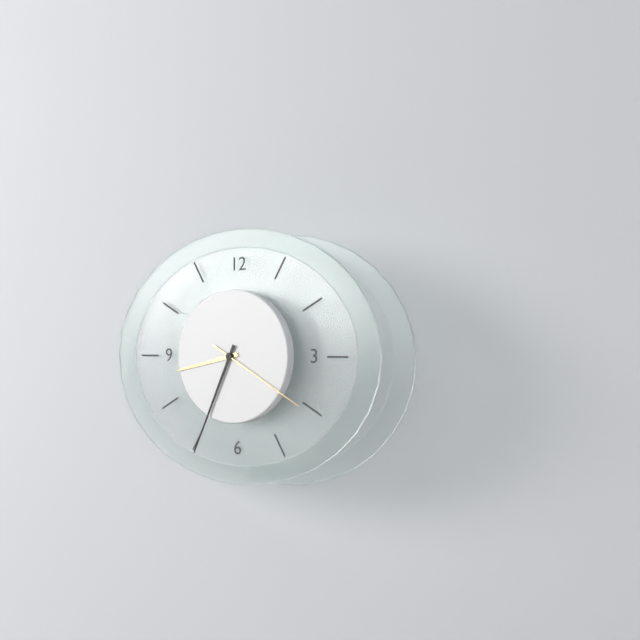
{"hour": 8, "minute": 34, "second": 20}
